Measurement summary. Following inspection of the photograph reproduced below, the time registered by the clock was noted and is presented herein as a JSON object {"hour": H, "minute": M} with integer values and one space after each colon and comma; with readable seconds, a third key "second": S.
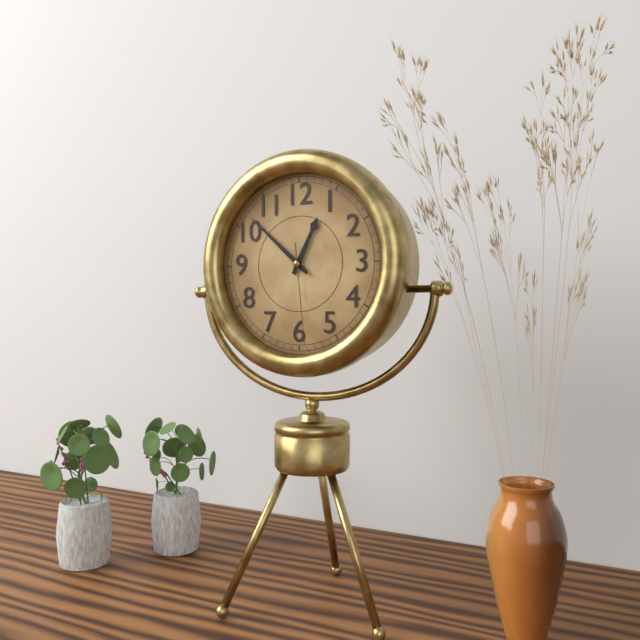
{"hour": 12, "minute": 52, "second": 29}
